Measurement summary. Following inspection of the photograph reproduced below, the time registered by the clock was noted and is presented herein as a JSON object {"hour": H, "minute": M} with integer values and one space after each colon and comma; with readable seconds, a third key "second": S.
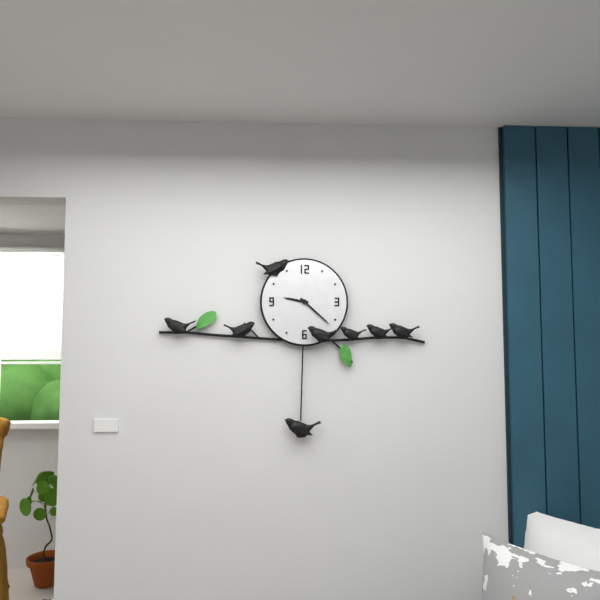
{"hour": 9, "minute": 22}
